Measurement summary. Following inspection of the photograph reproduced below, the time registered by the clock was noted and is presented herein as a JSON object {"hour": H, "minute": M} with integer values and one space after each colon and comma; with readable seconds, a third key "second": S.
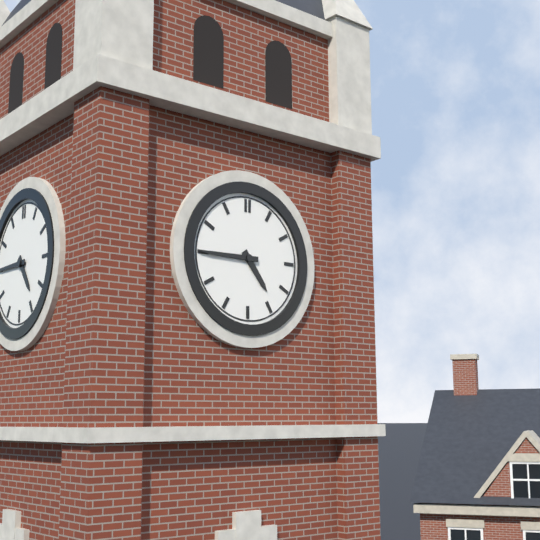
{"hour": 4, "minute": 45}
